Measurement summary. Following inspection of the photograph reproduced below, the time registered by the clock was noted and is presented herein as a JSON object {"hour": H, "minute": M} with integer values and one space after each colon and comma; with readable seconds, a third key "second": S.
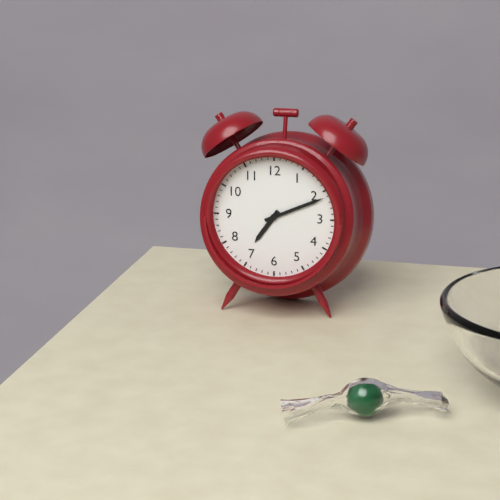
{"hour": 7, "minute": 11}
